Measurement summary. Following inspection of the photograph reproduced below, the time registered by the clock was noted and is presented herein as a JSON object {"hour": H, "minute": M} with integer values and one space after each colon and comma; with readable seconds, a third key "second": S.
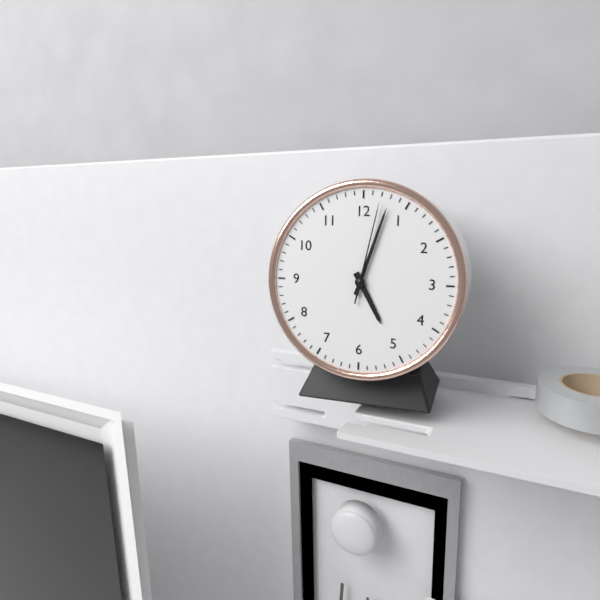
{"hour": 5, "minute": 3, "second": 2}
